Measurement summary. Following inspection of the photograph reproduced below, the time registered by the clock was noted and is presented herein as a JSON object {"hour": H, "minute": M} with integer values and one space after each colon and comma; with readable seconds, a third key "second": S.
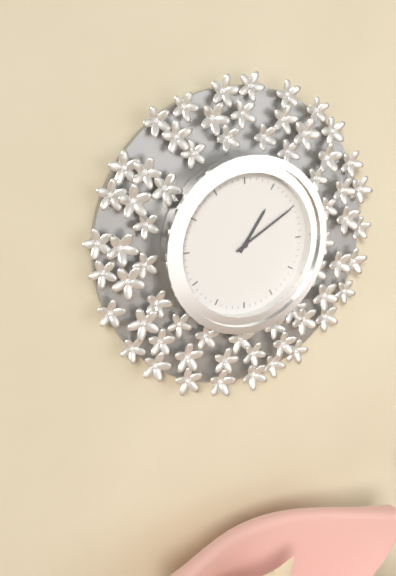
{"hour": 1, "minute": 10}
